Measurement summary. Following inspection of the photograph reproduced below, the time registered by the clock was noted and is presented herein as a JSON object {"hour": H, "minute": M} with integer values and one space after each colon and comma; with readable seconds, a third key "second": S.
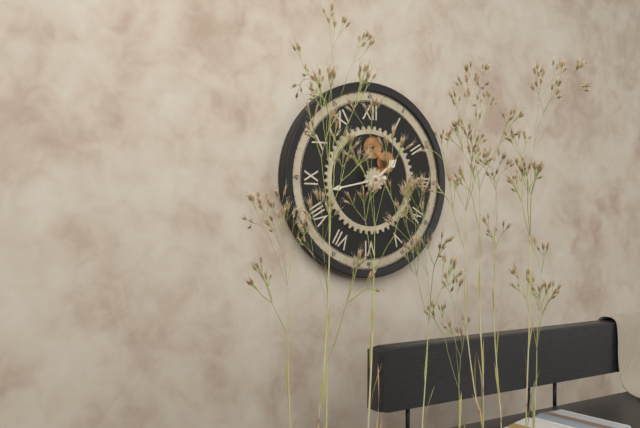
{"hour": 1, "minute": 43}
